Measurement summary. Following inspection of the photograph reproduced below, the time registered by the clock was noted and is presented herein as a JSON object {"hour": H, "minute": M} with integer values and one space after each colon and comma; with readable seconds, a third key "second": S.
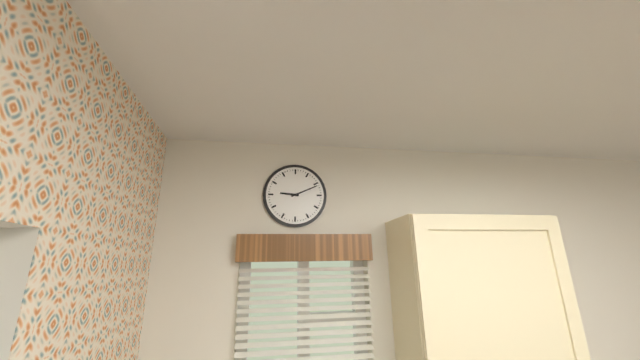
{"hour": 9, "minute": 11}
